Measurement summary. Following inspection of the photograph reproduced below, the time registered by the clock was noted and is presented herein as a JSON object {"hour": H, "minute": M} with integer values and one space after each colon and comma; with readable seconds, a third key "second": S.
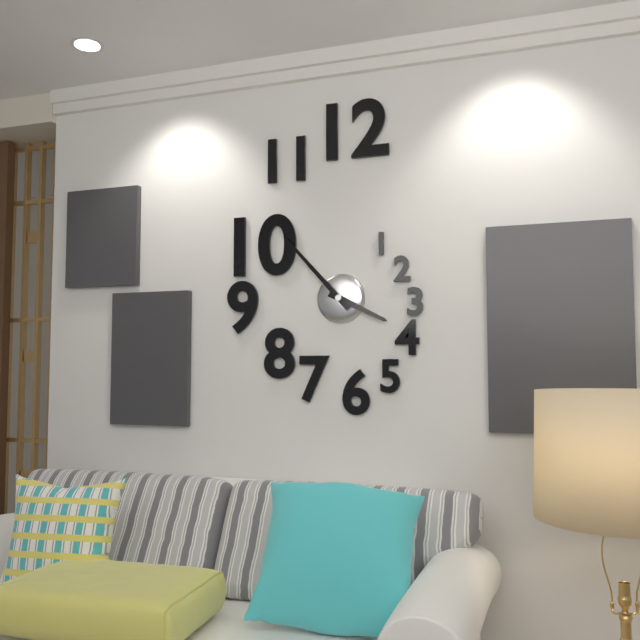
{"hour": 3, "minute": 53}
